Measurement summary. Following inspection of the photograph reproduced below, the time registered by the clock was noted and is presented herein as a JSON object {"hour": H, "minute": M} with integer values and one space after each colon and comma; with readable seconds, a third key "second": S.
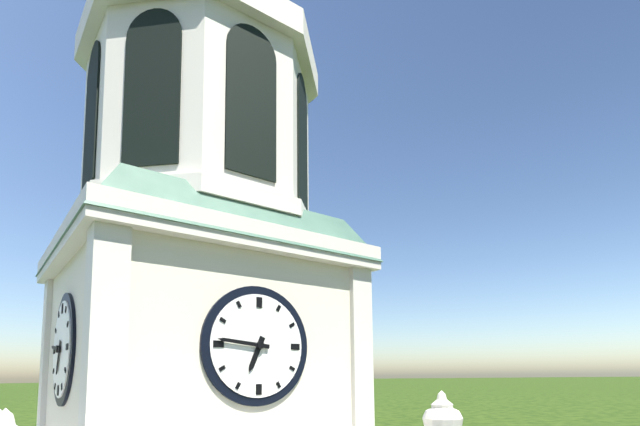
{"hour": 6, "minute": 46}
